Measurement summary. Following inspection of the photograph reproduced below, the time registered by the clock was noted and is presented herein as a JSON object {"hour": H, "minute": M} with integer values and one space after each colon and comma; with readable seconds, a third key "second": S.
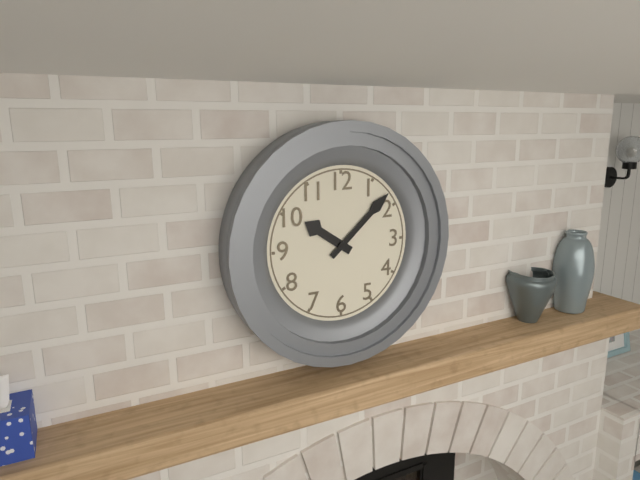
{"hour": 10, "minute": 8}
